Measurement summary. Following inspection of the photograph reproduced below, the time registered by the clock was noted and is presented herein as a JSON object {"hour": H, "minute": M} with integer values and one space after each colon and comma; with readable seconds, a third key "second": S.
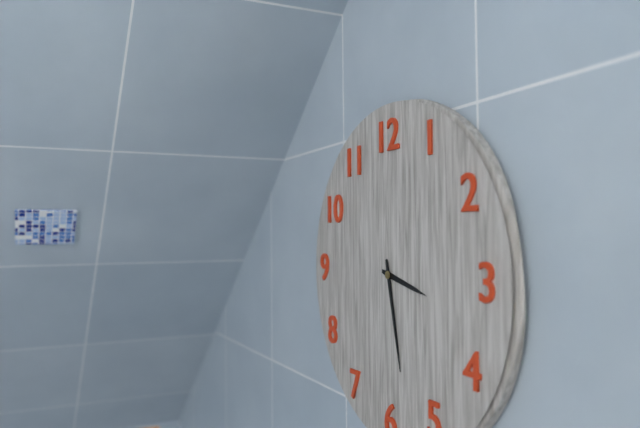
{"hour": 3, "minute": 28}
